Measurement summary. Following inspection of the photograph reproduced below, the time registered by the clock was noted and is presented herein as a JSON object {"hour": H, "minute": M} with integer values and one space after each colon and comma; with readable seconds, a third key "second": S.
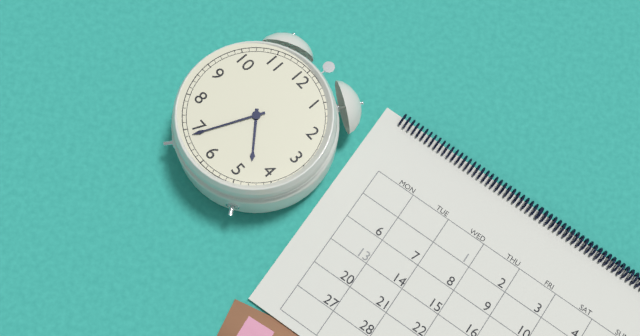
{"hour": 4, "minute": 34}
